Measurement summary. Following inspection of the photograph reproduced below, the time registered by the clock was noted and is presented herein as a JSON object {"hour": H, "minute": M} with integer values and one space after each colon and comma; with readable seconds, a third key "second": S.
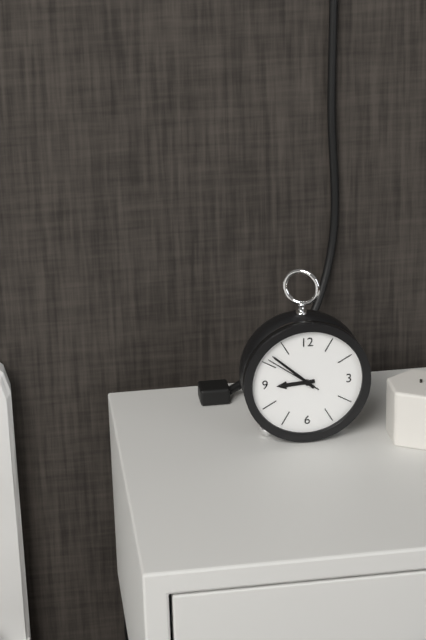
{"hour": 8, "minute": 52, "second": 51}
